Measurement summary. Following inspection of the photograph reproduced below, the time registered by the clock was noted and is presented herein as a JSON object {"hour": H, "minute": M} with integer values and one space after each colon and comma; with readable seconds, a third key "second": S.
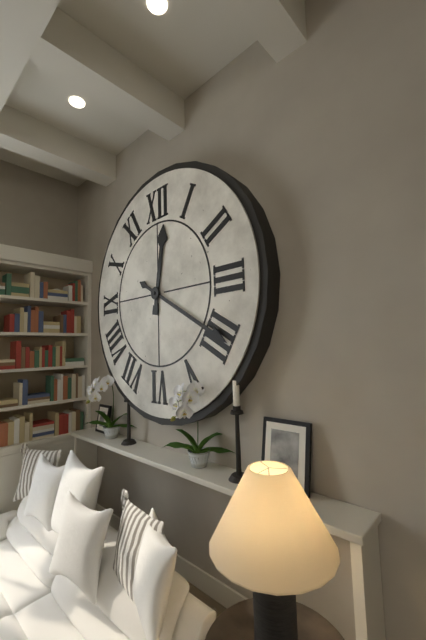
{"hour": 12, "minute": 20}
